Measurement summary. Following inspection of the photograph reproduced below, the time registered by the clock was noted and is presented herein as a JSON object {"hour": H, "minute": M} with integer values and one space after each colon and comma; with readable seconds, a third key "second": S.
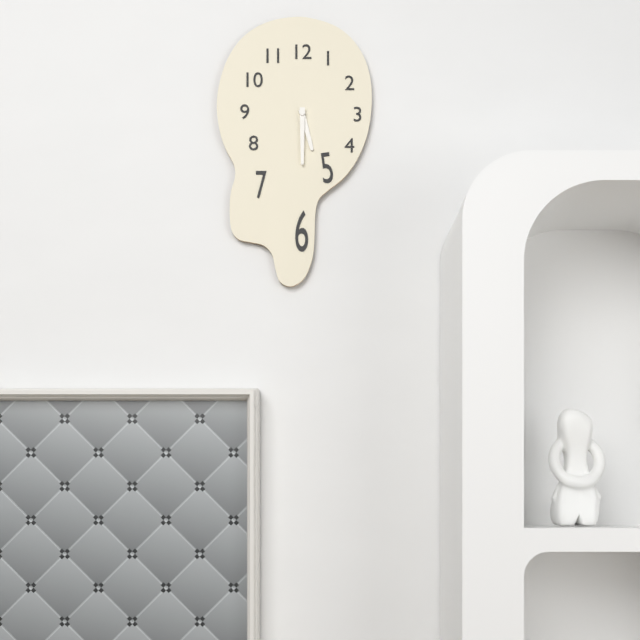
{"hour": 5, "minute": 30}
